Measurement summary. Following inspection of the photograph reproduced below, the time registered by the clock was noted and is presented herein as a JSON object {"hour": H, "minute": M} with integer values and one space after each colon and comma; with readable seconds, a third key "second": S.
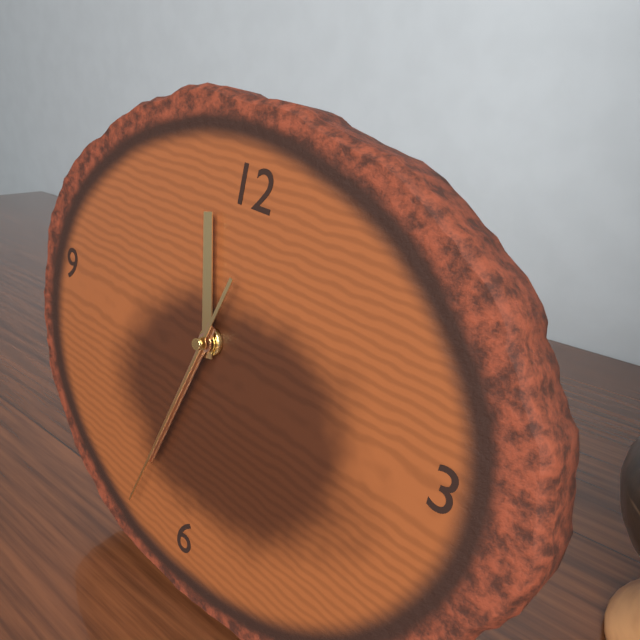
{"hour": 11, "minute": 33, "second": 33}
